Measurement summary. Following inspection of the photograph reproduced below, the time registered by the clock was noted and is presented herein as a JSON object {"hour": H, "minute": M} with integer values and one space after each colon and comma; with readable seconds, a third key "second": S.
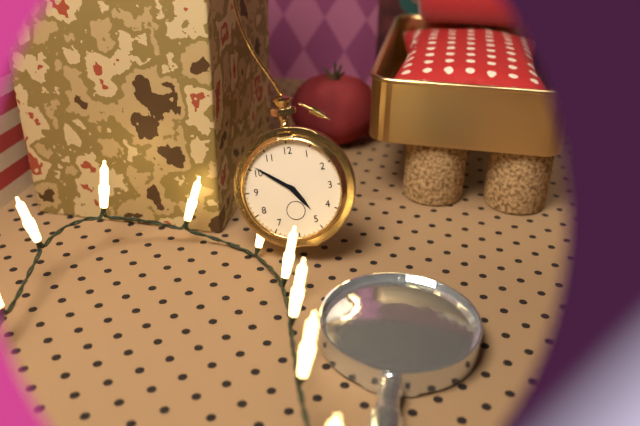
{"hour": 4, "minute": 51}
